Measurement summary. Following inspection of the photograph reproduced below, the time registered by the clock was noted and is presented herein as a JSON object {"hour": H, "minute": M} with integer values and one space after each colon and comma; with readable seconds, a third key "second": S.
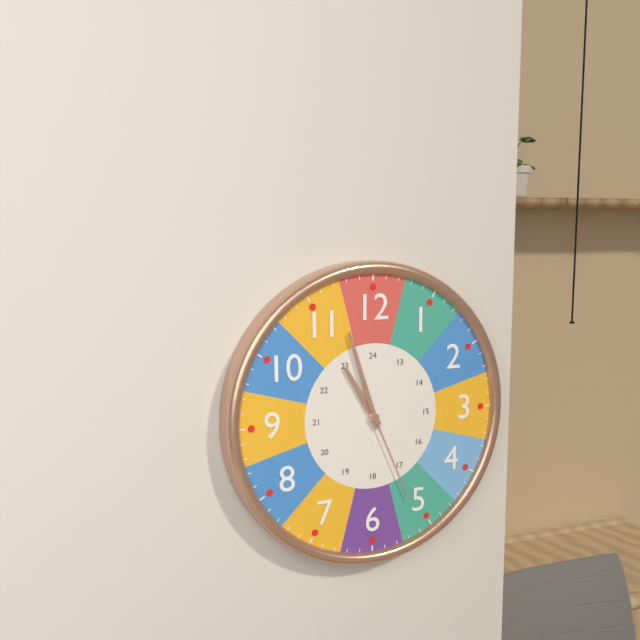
{"hour": 10, "minute": 57, "second": 26}
